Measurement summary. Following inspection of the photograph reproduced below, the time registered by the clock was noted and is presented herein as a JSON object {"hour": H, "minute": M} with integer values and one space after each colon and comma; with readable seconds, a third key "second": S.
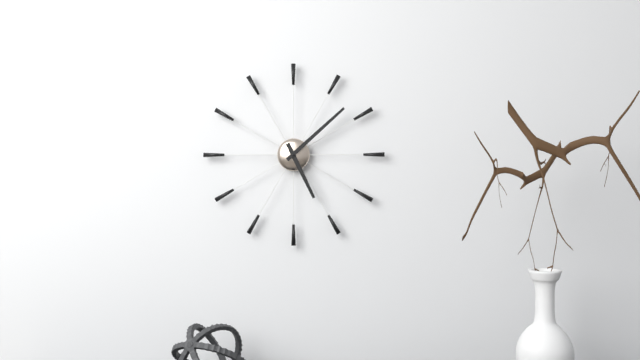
{"hour": 5, "minute": 8}
